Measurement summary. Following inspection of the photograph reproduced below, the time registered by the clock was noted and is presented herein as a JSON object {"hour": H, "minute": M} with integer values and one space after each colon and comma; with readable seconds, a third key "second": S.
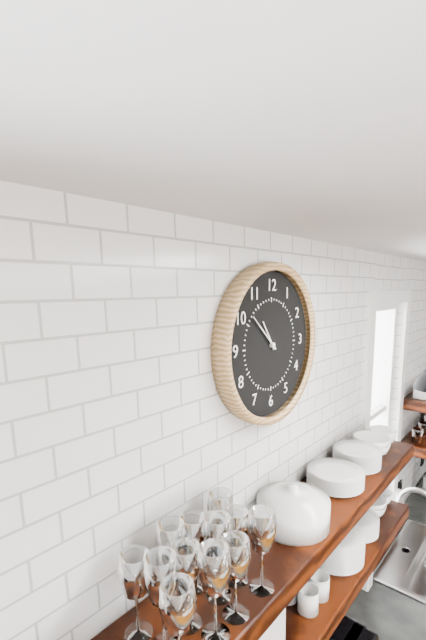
{"hour": 10, "minute": 52}
